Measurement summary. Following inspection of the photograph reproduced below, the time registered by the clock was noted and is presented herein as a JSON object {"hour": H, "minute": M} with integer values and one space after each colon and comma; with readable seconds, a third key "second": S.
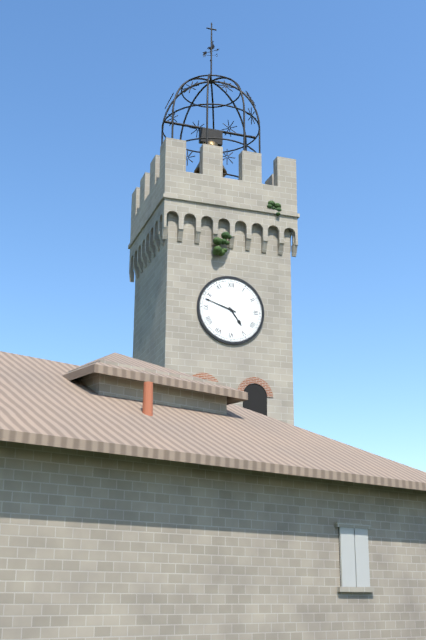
{"hour": 4, "minute": 48}
